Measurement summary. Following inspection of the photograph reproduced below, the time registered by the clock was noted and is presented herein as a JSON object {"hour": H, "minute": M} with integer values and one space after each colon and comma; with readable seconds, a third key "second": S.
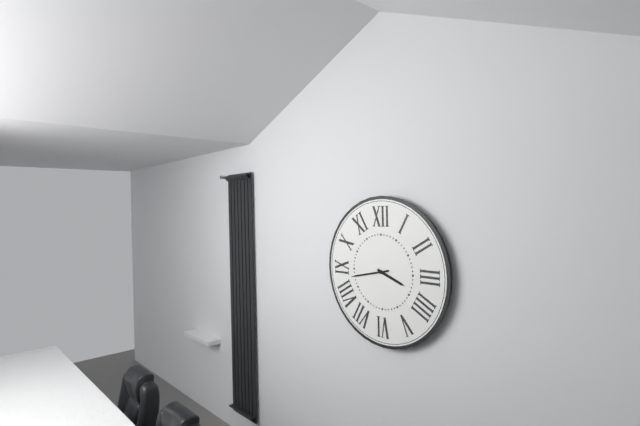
{"hour": 3, "minute": 43}
